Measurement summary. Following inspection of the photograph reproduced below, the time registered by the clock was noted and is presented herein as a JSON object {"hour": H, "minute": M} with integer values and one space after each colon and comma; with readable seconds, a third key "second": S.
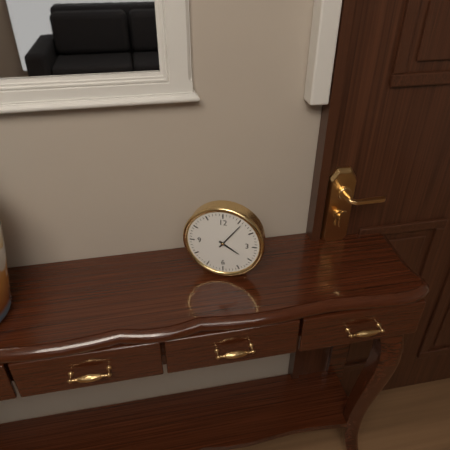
{"hour": 4, "minute": 6}
